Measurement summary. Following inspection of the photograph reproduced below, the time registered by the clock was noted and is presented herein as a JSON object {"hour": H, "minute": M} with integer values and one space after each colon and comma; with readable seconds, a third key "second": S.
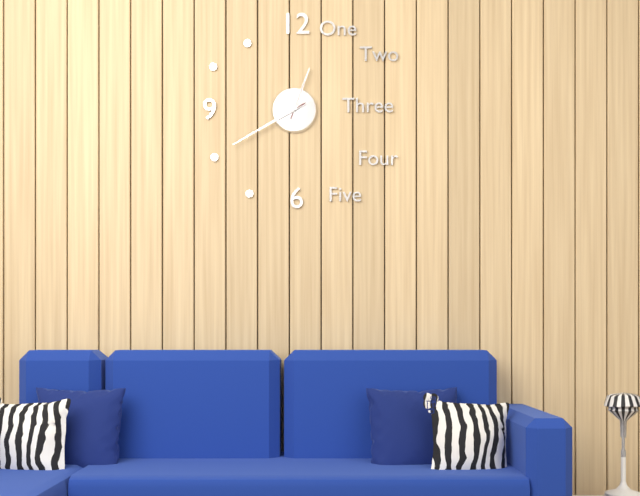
{"hour": 12, "minute": 40}
